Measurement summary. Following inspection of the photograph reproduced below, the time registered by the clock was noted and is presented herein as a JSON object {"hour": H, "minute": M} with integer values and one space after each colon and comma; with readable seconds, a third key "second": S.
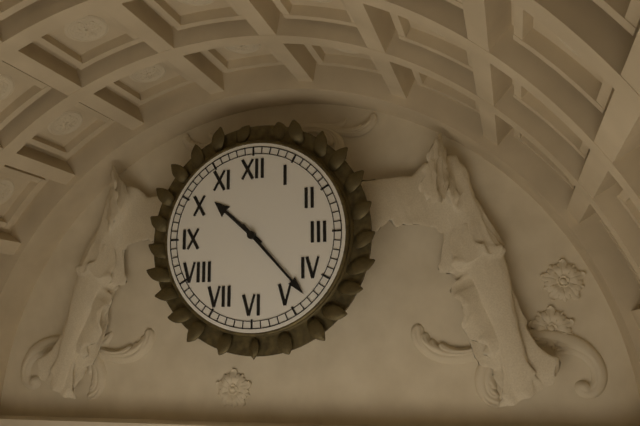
{"hour": 10, "minute": 23}
